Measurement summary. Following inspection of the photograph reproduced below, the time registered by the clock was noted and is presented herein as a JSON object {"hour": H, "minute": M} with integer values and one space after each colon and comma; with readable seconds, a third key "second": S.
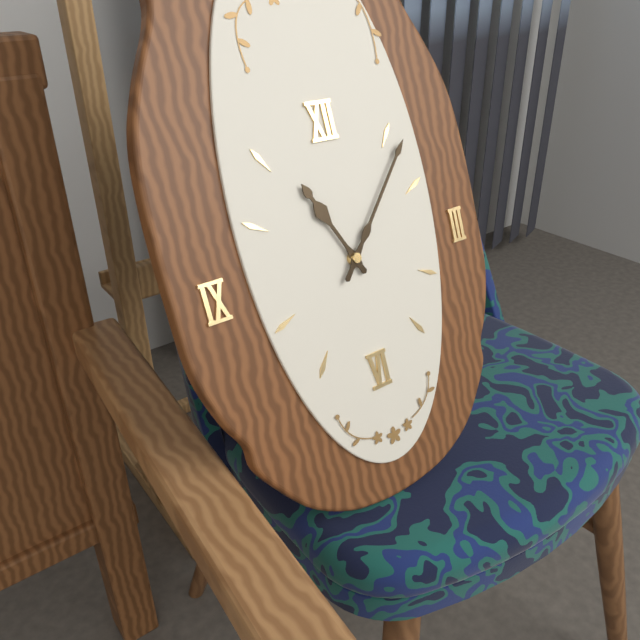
{"hour": 11, "minute": 7}
